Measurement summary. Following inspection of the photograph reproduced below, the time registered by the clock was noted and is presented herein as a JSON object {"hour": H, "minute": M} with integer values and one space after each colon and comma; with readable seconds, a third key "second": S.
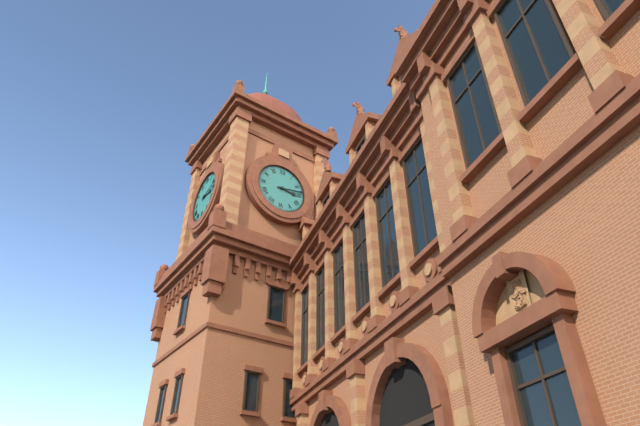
{"hour": 3, "minute": 13}
